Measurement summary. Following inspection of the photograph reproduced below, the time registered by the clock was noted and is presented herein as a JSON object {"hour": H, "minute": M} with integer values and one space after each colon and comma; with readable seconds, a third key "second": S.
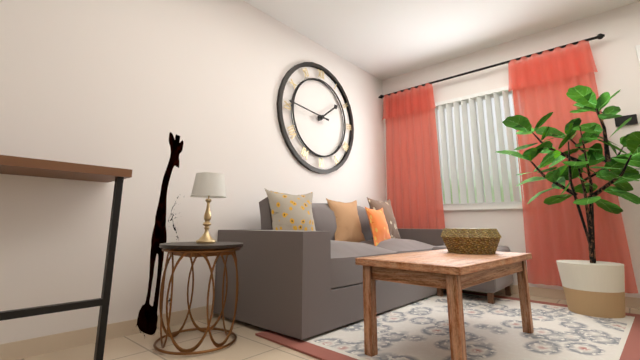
{"hour": 1, "minute": 46}
